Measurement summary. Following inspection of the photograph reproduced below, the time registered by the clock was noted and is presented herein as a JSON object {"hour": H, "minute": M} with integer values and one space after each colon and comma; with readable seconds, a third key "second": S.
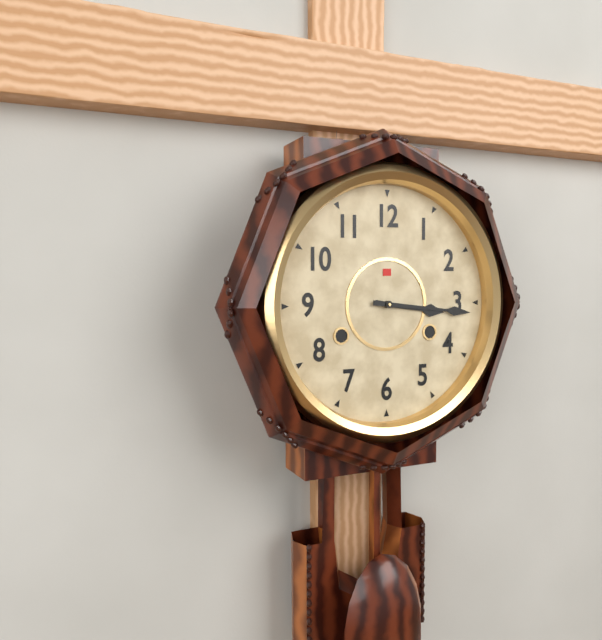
{"hour": 3, "minute": 16}
